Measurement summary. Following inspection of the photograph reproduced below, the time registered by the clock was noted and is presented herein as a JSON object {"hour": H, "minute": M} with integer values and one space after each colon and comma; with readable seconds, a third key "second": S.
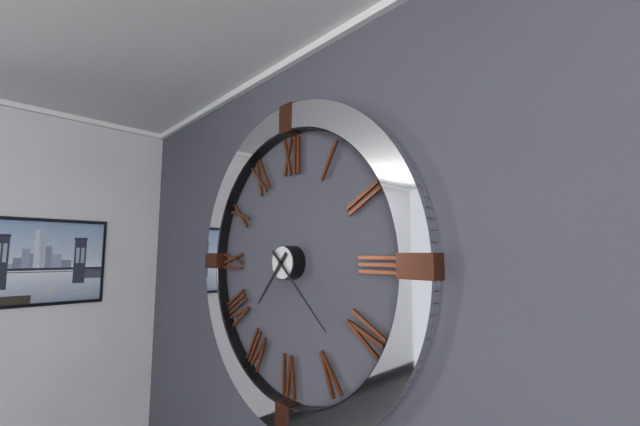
{"hour": 7, "minute": 22}
